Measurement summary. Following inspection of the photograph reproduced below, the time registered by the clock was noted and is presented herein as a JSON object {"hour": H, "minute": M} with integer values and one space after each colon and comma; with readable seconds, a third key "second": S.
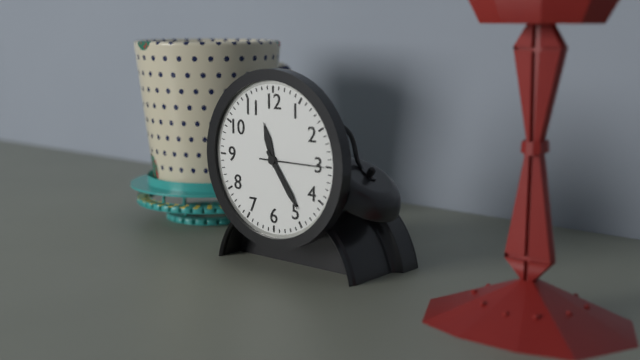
{"hour": 11, "minute": 24}
